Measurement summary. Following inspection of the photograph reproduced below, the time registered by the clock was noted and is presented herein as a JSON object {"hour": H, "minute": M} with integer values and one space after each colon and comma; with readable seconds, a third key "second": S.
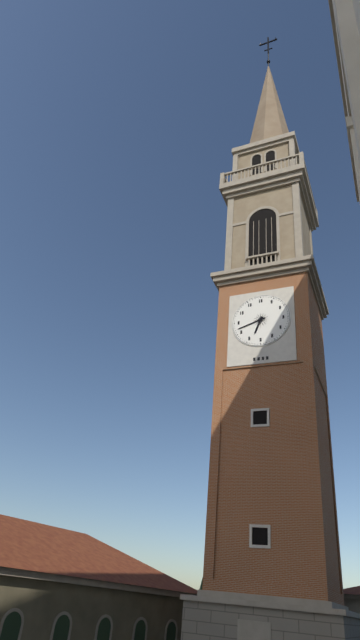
{"hour": 6, "minute": 42}
